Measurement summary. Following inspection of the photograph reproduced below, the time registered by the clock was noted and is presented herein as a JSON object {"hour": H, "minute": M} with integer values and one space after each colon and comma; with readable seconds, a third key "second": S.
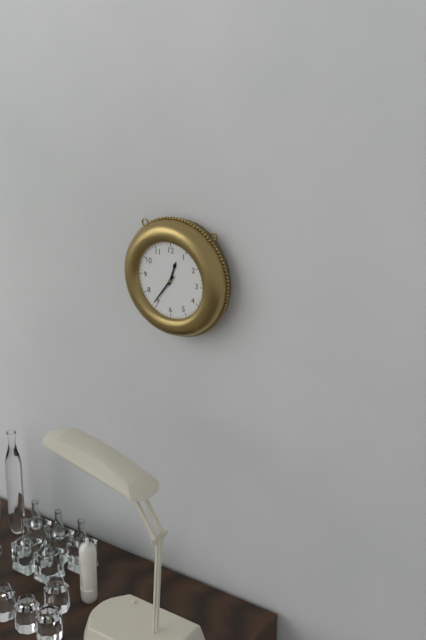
{"hour": 12, "minute": 36}
